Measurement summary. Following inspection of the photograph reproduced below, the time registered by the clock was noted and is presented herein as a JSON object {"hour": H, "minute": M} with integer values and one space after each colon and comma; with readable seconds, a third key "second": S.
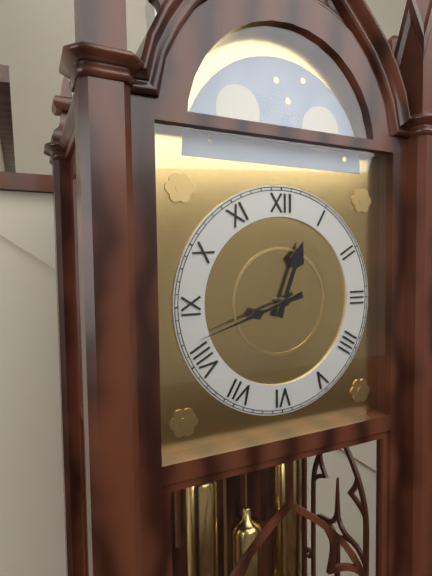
{"hour": 12, "minute": 42}
